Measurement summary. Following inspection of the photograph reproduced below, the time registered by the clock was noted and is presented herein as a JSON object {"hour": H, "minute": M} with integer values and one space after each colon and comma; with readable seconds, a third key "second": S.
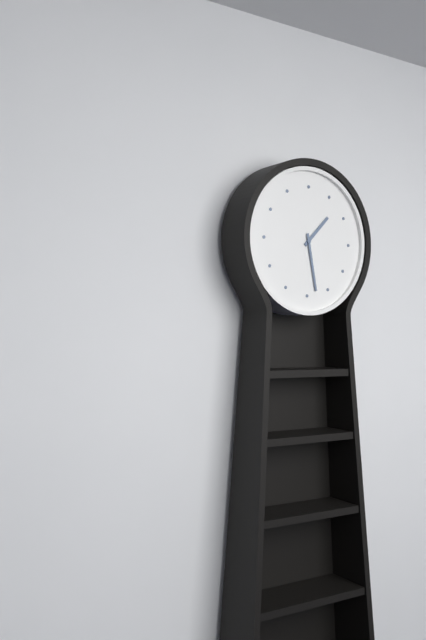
{"hour": 1, "minute": 28}
